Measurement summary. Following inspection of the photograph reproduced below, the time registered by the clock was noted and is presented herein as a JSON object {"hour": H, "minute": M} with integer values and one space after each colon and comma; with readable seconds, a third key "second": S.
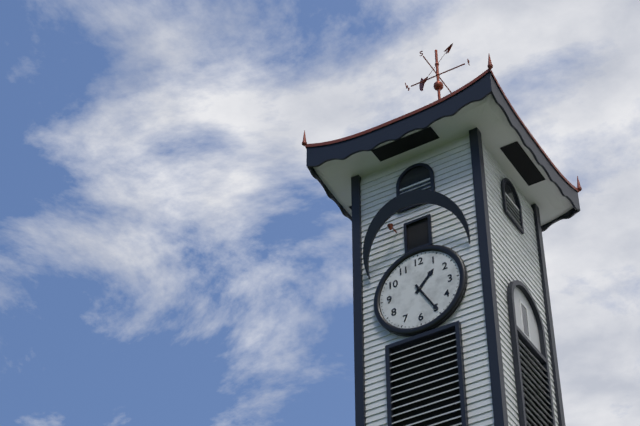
{"hour": 1, "minute": 25}
